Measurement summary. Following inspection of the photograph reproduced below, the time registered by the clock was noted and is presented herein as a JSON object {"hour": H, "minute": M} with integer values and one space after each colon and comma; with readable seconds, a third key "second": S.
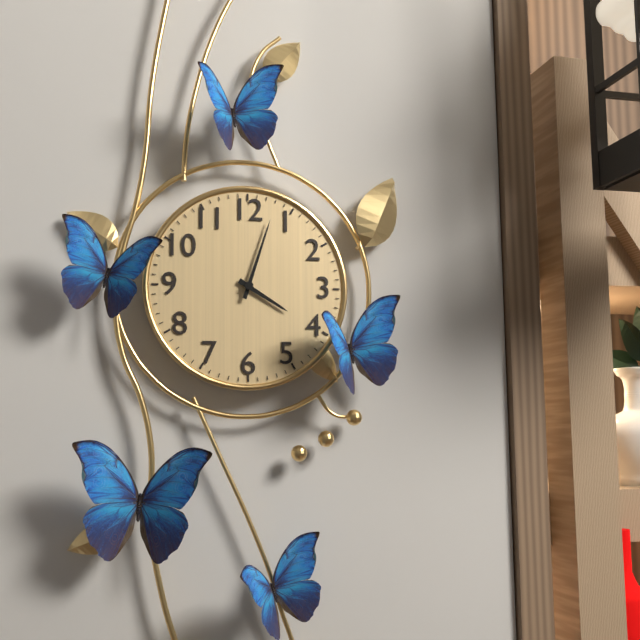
{"hour": 4, "minute": 3}
